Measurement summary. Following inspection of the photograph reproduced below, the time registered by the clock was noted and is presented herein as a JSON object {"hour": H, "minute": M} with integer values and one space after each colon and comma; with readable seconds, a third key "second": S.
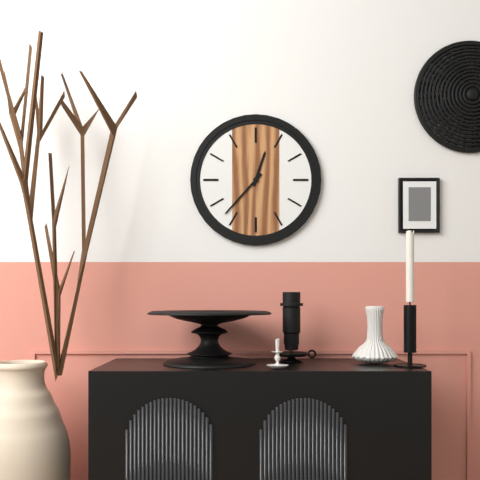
{"hour": 12, "minute": 37}
